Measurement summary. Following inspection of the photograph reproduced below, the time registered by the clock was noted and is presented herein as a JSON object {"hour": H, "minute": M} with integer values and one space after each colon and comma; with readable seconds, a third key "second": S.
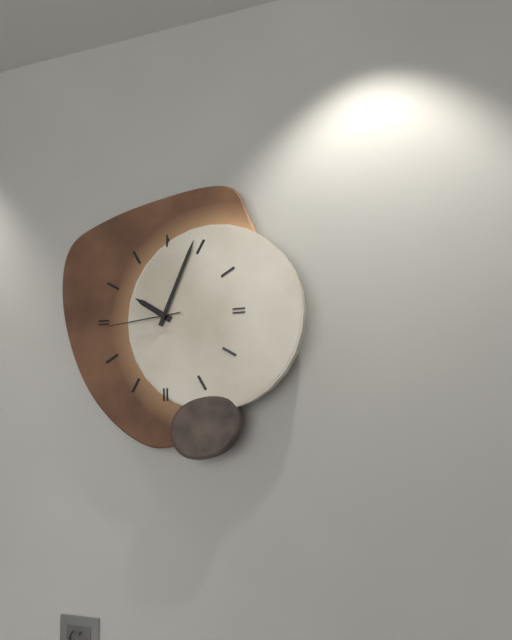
{"hour": 10, "minute": 4, "second": 44}
